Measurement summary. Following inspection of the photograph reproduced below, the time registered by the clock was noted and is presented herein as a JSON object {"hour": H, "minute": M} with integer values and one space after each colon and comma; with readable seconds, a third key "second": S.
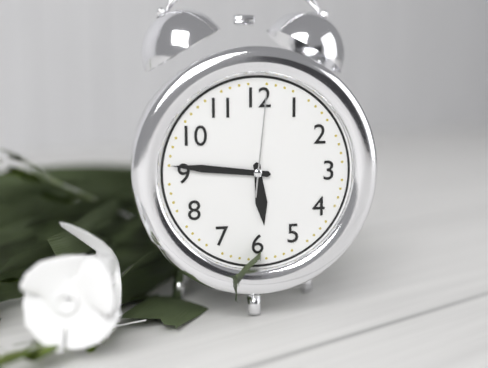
{"hour": 5, "minute": 46, "second": 1}
